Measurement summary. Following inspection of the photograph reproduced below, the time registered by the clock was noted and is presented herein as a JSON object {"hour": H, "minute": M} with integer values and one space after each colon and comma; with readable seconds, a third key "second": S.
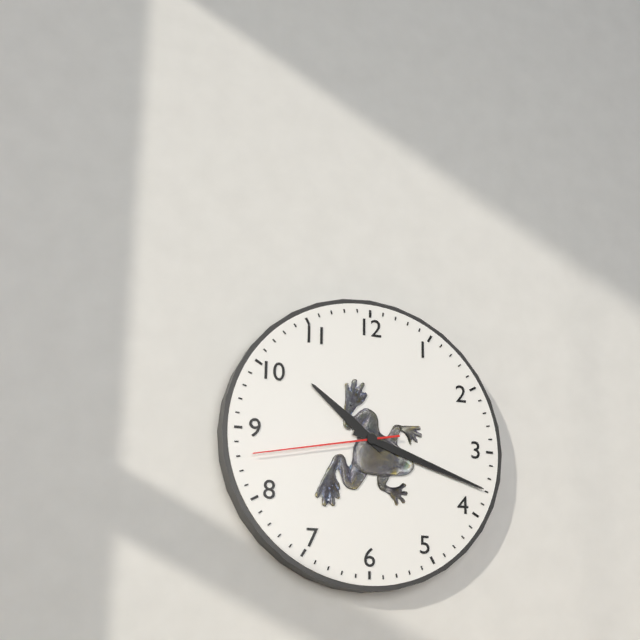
{"hour": 10, "minute": 18, "second": 43}
